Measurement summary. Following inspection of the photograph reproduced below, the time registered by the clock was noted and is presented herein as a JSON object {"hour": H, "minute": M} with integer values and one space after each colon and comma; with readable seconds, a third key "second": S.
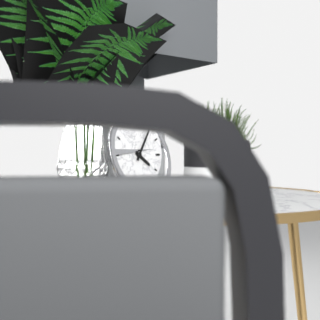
{"hour": 4, "minute": 5}
